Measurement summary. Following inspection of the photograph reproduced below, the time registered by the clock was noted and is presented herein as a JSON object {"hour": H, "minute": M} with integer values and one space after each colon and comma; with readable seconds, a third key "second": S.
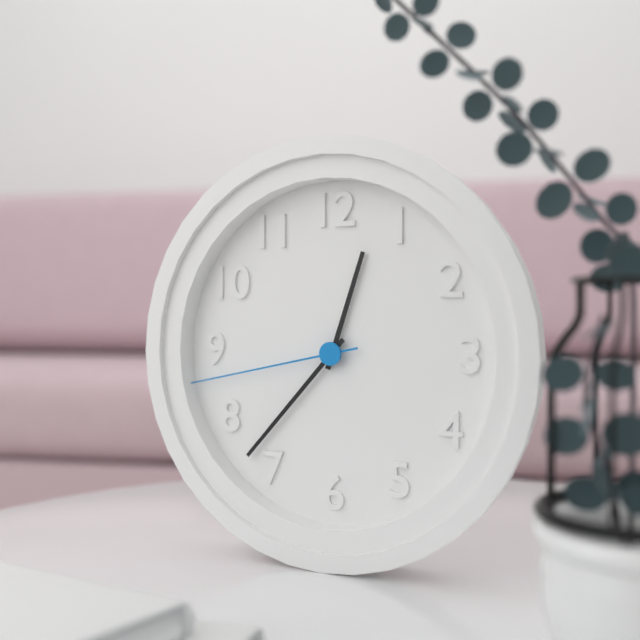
{"hour": 12, "minute": 37, "second": 43}
